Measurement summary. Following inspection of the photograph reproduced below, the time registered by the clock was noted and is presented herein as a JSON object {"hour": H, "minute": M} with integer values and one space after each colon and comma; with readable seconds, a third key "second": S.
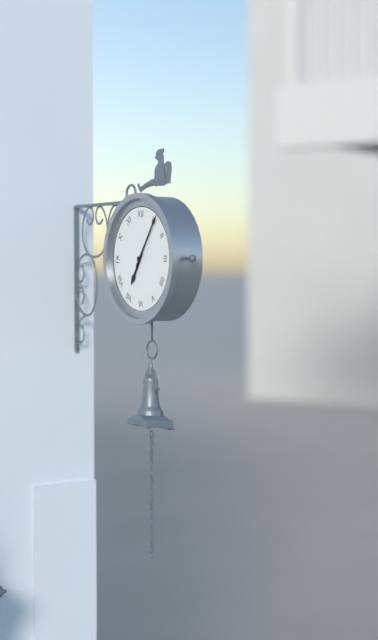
{"hour": 7, "minute": 6}
